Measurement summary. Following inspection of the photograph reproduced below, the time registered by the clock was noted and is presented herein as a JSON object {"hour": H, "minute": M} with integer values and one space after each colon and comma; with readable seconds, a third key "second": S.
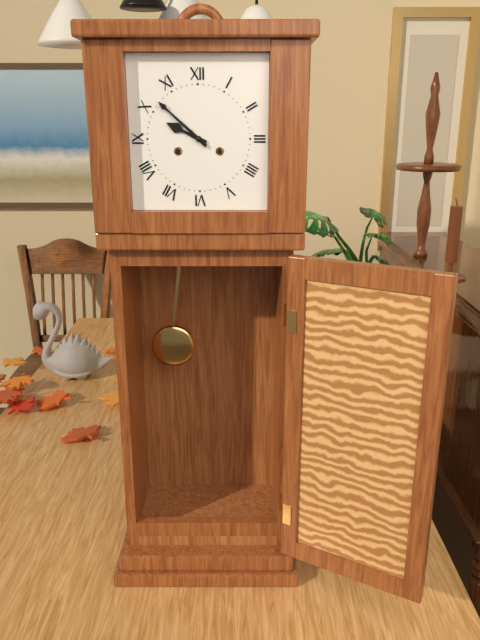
{"hour": 9, "minute": 52}
